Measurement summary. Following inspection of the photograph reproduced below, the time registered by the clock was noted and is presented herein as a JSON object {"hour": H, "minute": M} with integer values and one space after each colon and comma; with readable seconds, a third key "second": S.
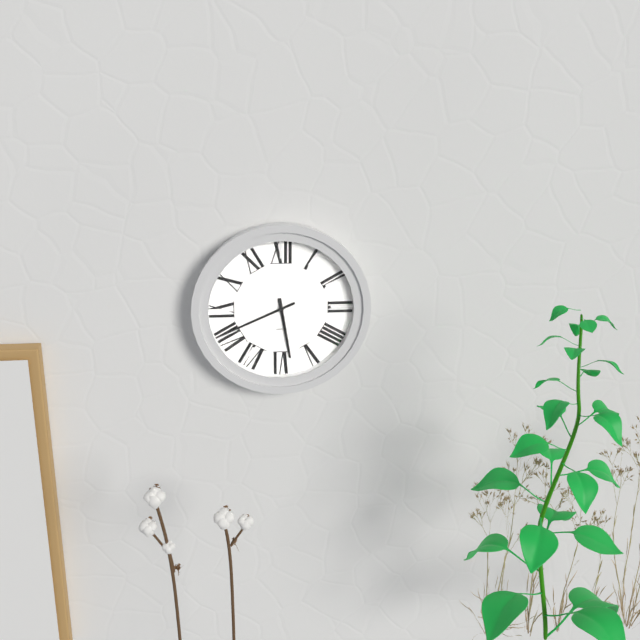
{"hour": 5, "minute": 41}
